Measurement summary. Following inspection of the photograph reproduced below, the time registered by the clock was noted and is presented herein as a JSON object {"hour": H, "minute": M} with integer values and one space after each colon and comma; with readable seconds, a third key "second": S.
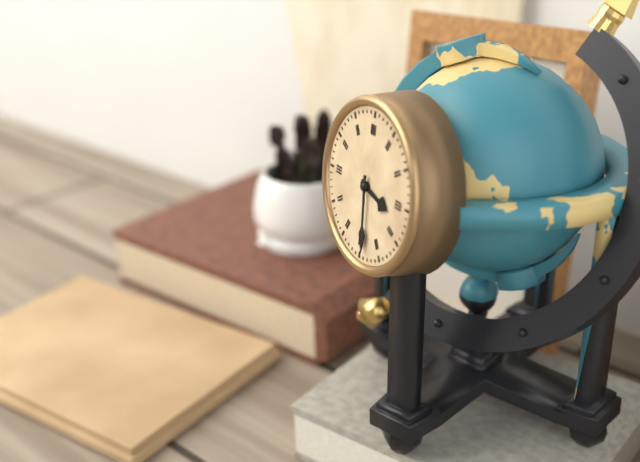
{"hour": 3, "minute": 29}
